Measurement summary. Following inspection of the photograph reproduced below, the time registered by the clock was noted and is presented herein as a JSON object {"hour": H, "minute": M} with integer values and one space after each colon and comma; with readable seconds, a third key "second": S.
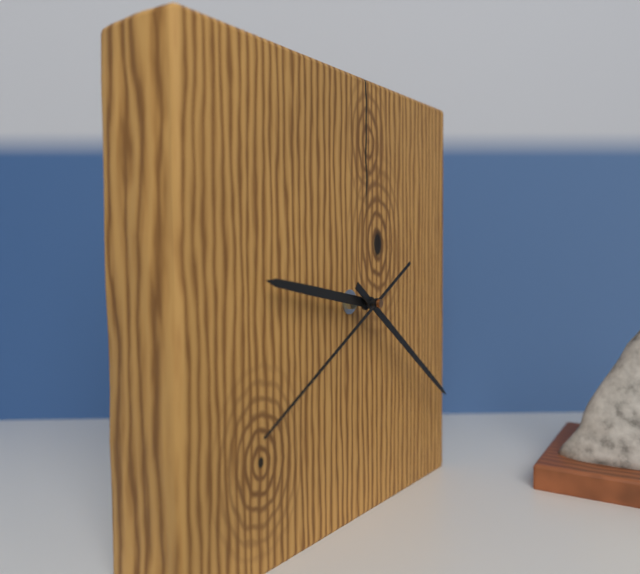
{"hour": 9, "minute": 21, "second": 40}
